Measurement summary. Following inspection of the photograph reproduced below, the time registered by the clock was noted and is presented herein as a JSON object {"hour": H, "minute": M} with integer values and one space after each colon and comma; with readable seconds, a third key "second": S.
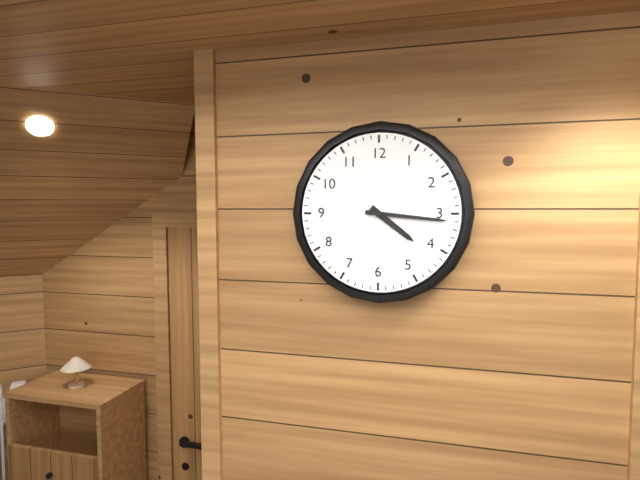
{"hour": 4, "minute": 16}
